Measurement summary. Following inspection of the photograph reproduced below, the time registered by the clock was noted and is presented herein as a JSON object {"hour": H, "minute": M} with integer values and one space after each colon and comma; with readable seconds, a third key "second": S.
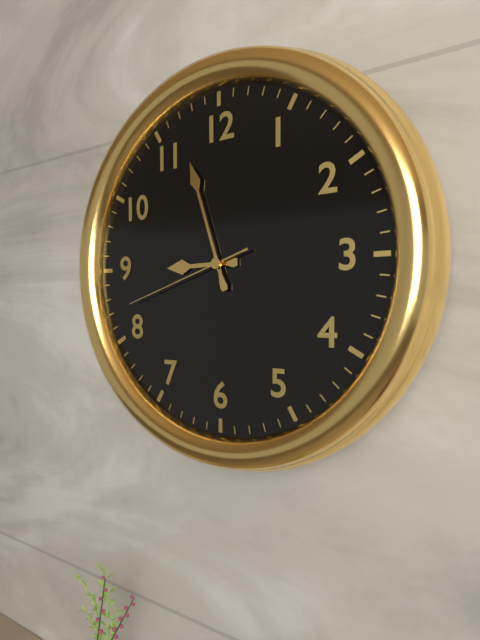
{"hour": 8, "minute": 57, "second": 42}
